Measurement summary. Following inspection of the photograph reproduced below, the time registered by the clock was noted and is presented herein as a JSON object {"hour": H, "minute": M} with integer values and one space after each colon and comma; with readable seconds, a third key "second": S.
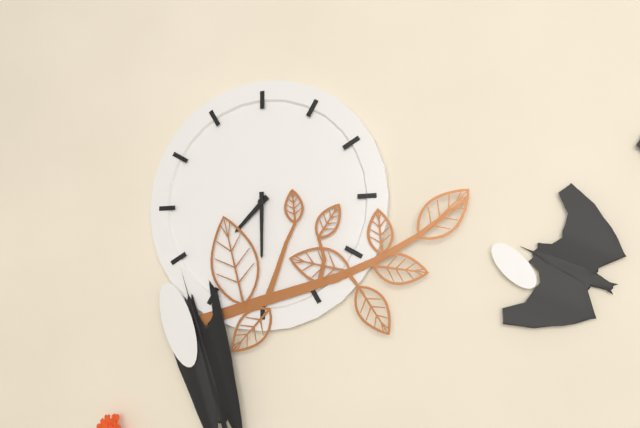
{"hour": 7, "minute": 30}
